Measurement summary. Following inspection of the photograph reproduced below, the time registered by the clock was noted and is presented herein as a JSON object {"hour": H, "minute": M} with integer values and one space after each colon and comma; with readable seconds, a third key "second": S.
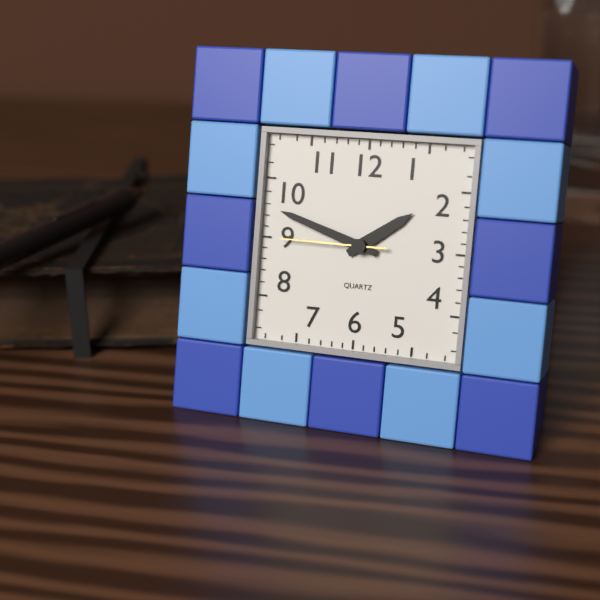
{"hour": 1, "minute": 48, "second": 45}
